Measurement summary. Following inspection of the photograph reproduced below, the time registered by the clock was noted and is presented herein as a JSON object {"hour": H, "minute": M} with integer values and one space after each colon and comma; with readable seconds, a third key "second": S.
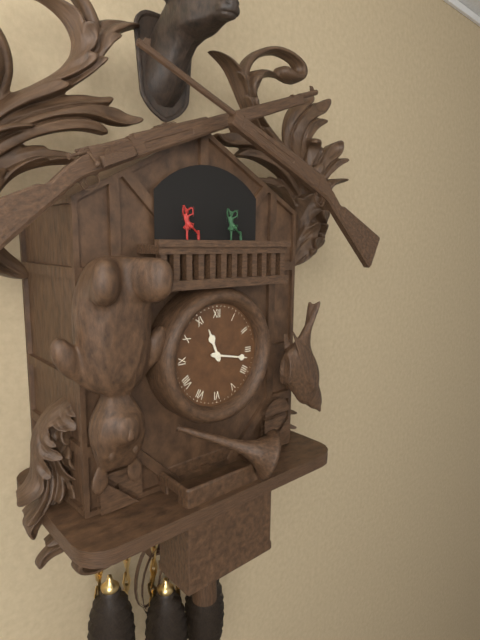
{"hour": 11, "minute": 17}
